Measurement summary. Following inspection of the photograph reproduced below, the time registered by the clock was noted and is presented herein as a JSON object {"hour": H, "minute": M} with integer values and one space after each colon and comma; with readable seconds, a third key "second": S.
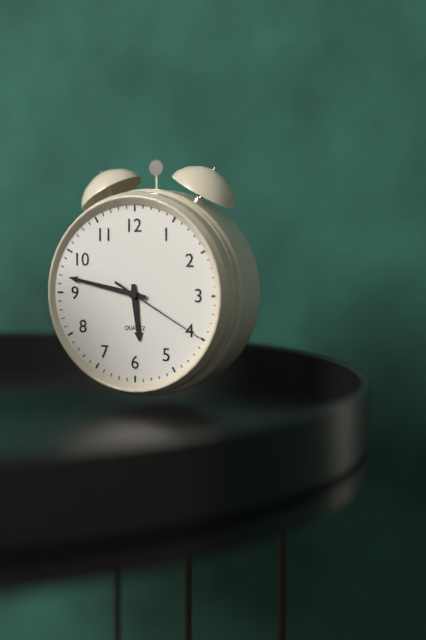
{"hour": 5, "minute": 47, "second": 20}
